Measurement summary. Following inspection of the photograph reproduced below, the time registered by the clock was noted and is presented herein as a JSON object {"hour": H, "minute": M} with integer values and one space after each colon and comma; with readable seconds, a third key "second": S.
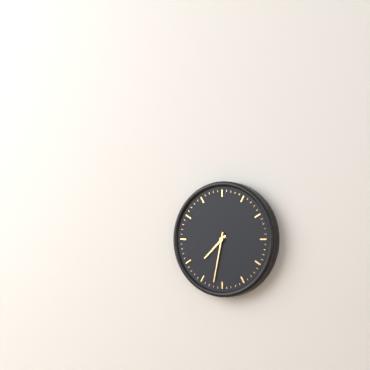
{"hour": 7, "minute": 32}
